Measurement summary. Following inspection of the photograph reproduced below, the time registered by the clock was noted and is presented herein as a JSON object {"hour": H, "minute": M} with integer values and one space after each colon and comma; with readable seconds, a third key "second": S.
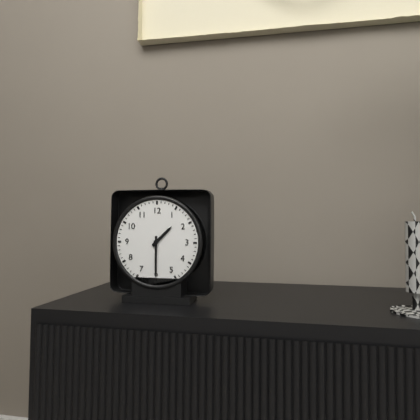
{"hour": 1, "minute": 30}
